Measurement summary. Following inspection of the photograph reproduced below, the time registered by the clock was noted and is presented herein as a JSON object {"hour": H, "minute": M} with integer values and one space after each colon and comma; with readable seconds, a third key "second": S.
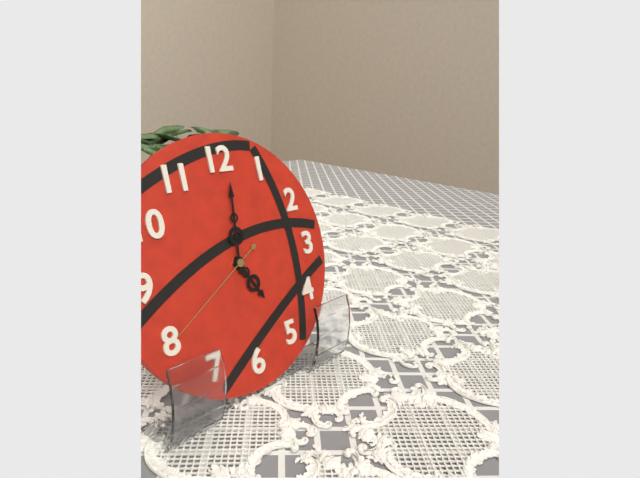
{"hour": 5, "minute": 1, "second": 40}
